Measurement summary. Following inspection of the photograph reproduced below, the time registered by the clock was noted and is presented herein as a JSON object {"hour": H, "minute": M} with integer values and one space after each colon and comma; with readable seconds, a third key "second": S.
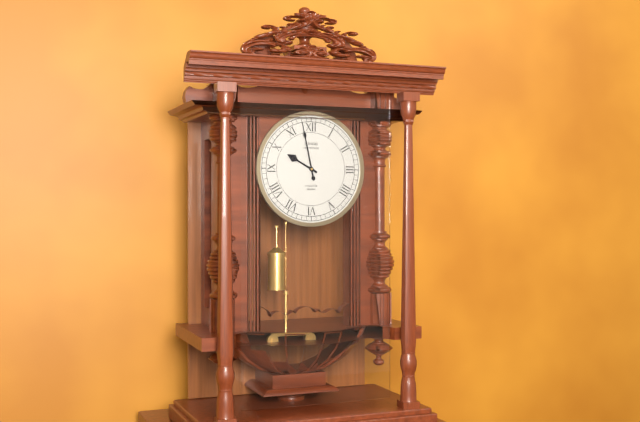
{"hour": 9, "minute": 58}
